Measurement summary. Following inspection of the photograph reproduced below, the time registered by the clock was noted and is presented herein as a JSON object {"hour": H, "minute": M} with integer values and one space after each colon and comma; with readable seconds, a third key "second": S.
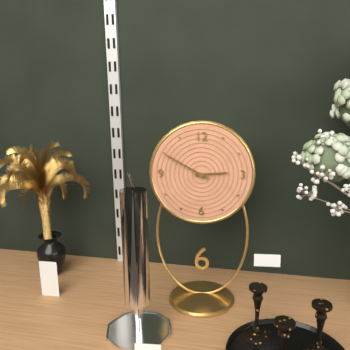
{"hour": 2, "minute": 50}
